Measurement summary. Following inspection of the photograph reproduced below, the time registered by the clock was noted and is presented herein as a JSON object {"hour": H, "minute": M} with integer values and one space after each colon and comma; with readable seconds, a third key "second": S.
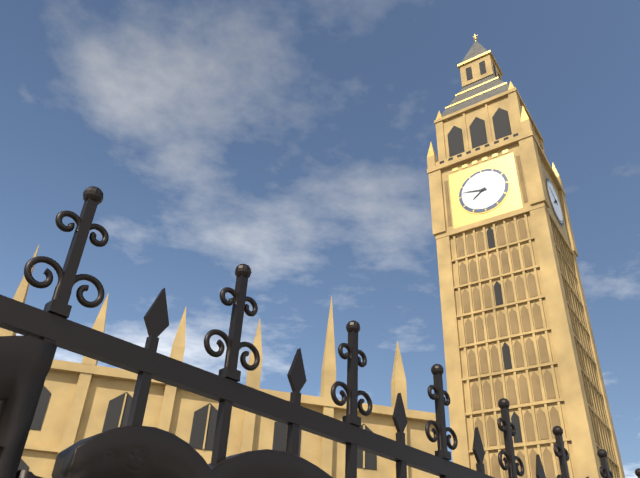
{"hour": 7, "minute": 47}
